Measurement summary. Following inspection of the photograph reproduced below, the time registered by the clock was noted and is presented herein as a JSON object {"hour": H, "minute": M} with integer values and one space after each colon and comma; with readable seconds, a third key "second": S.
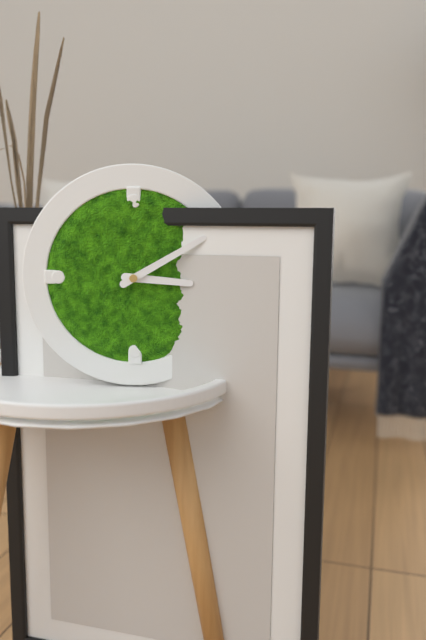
{"hour": 3, "minute": 10}
